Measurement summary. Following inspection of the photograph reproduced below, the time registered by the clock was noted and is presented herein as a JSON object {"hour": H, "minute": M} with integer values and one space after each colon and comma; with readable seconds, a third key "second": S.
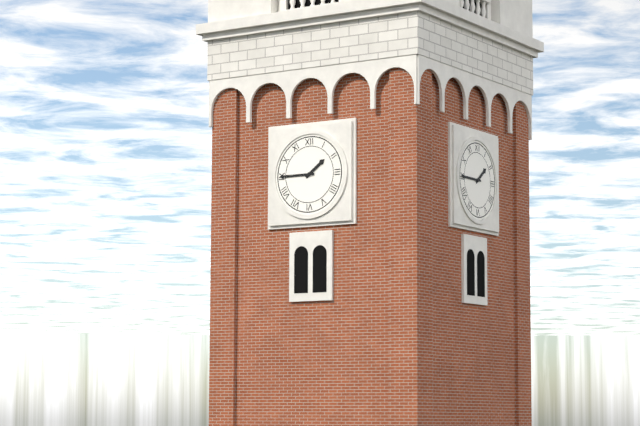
{"hour": 1, "minute": 45}
